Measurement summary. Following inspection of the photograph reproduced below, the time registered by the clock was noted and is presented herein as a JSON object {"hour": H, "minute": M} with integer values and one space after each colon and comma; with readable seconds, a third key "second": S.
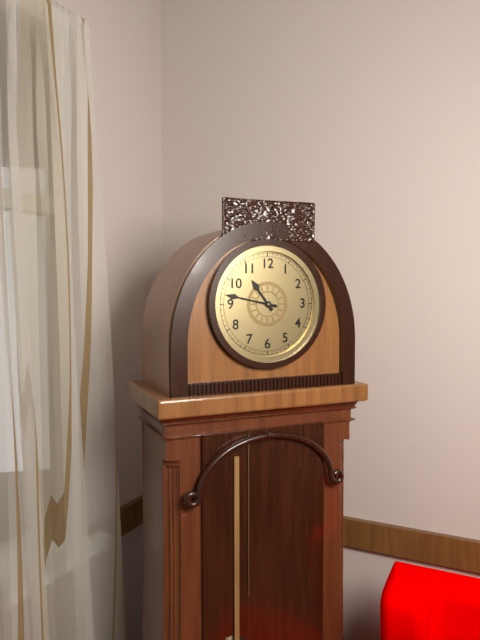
{"hour": 10, "minute": 47}
